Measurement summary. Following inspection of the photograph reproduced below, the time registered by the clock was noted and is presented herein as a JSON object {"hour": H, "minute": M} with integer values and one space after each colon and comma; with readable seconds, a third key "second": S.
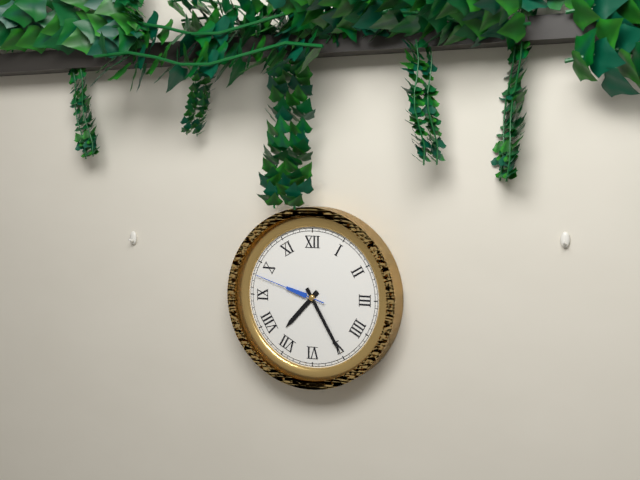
{"hour": 7, "minute": 25, "second": 48}
